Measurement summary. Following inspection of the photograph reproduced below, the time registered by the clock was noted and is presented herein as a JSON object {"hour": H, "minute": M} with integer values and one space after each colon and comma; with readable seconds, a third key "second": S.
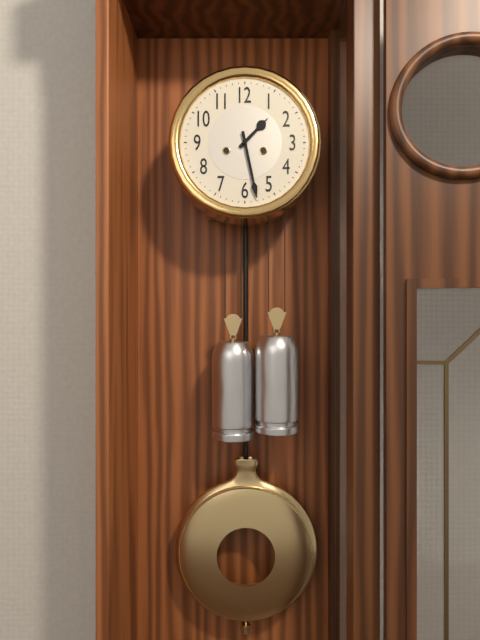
{"hour": 1, "minute": 28}
